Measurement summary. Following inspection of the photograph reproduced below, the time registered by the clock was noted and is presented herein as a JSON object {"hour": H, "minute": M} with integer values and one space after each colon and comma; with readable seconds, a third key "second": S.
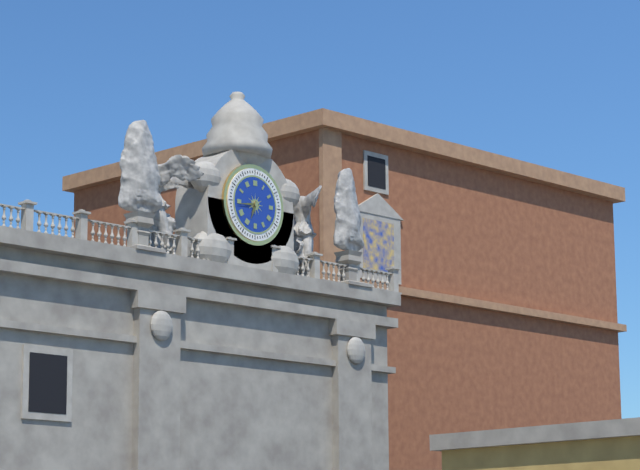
{"hour": 6, "minute": 44}
